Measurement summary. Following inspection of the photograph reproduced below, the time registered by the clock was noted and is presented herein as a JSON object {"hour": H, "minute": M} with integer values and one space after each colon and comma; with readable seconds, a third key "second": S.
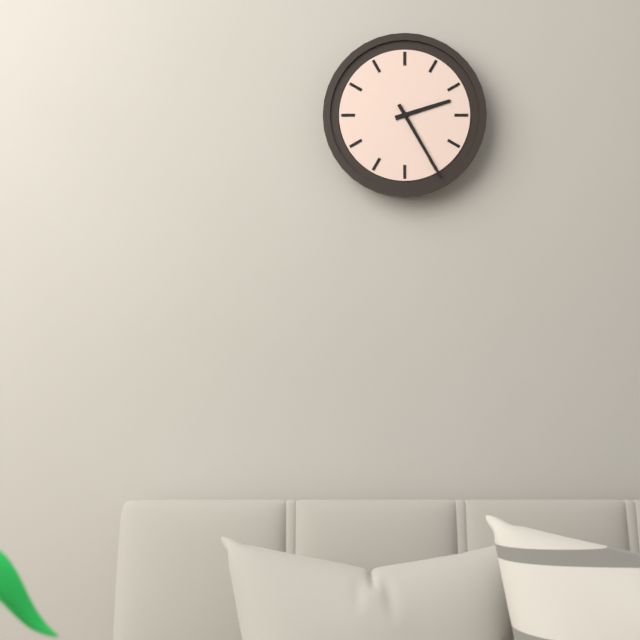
{"hour": 2, "minute": 25}
